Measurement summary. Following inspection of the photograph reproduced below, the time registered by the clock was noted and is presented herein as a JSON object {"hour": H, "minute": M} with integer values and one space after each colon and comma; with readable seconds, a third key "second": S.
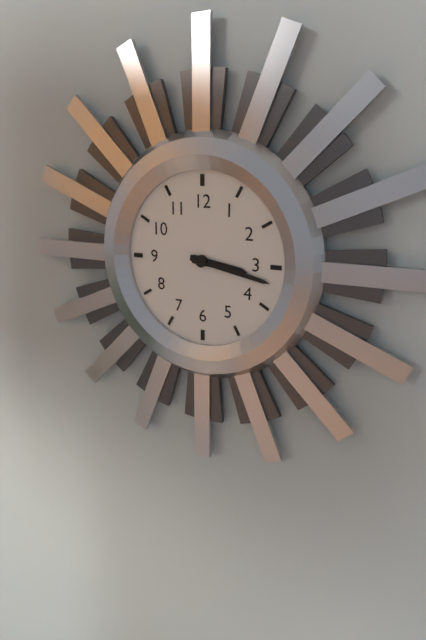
{"hour": 3, "minute": 17}
